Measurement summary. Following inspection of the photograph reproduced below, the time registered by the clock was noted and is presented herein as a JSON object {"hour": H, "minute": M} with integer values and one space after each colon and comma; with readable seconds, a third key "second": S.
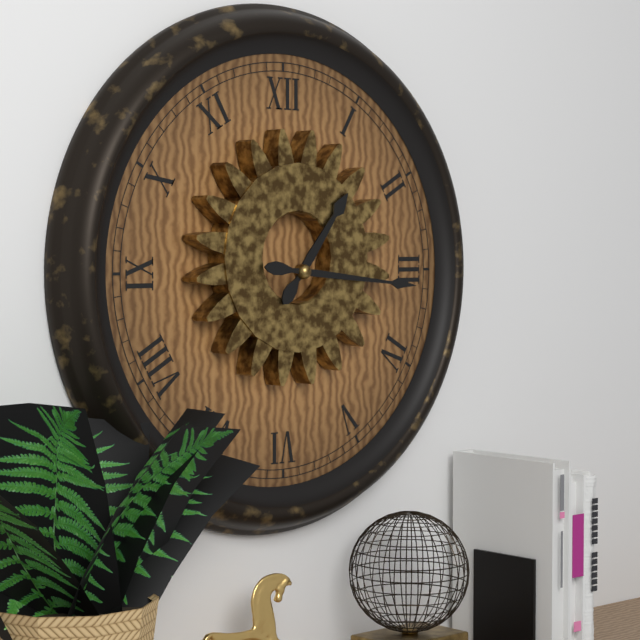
{"hour": 1, "minute": 16}
